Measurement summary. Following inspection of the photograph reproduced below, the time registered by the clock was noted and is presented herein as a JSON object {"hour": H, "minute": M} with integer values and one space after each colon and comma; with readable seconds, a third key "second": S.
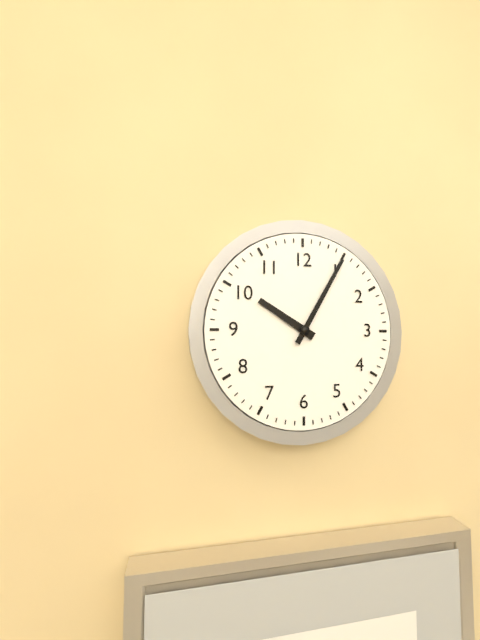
{"hour": 10, "minute": 5}
